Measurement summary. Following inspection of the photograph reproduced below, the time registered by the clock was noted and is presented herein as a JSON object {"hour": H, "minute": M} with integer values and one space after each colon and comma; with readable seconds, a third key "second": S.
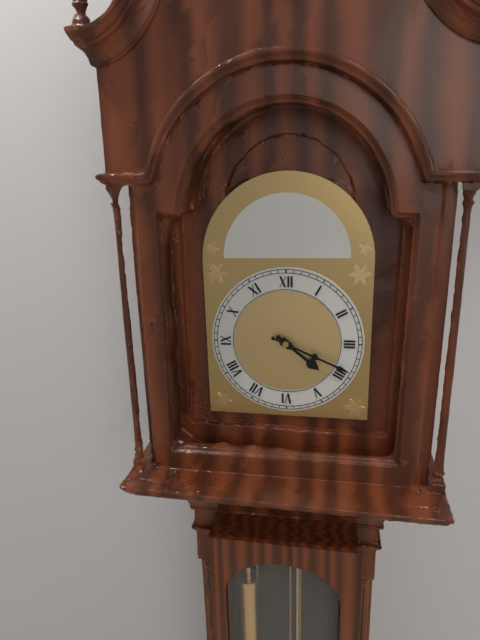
{"hour": 4, "minute": 19}
